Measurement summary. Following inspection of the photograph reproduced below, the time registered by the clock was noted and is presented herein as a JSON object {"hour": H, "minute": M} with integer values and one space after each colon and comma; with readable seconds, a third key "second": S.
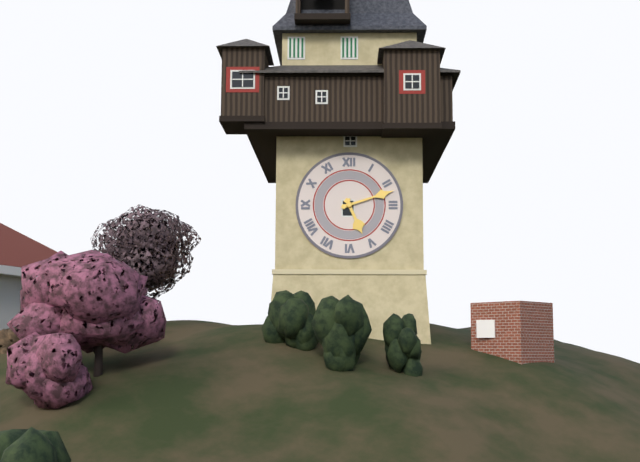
{"hour": 5, "minute": 12}
